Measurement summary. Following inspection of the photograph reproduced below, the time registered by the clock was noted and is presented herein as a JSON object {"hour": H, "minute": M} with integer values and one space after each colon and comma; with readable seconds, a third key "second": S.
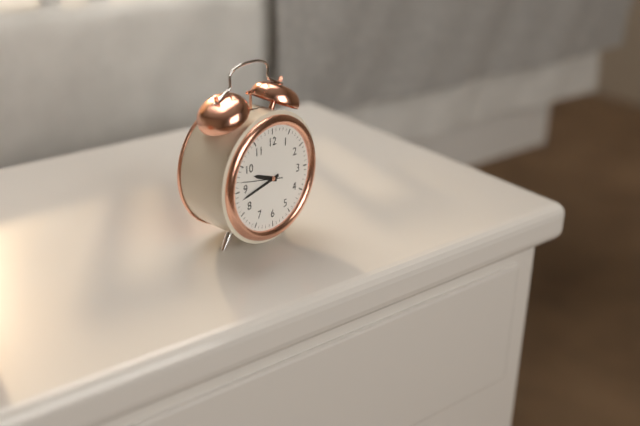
{"hour": 9, "minute": 43}
